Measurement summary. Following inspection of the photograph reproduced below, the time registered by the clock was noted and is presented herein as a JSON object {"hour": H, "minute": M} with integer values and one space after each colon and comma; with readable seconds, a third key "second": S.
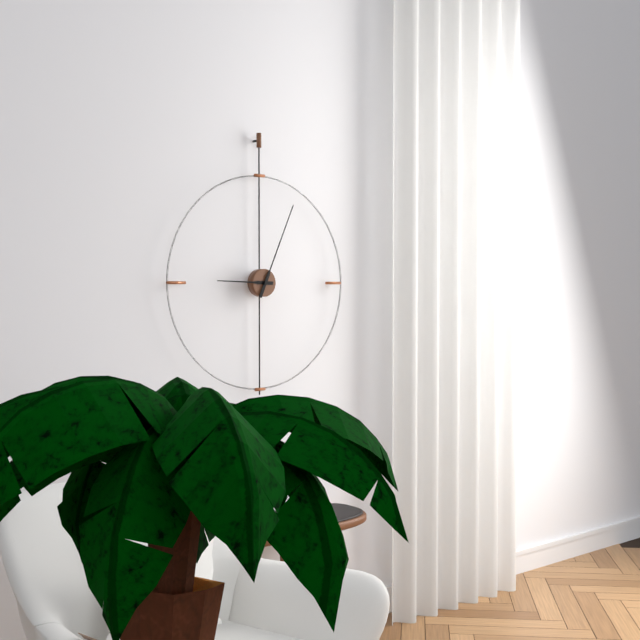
{"hour": 9, "minute": 4}
